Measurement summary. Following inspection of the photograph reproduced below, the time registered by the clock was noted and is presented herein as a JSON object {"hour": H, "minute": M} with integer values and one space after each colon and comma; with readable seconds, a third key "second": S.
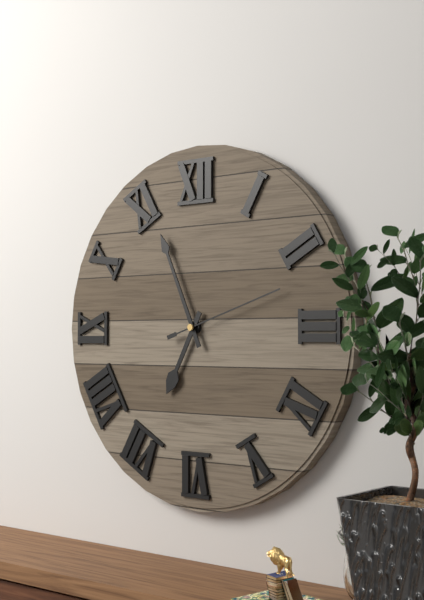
{"hour": 6, "minute": 56, "second": 12}
